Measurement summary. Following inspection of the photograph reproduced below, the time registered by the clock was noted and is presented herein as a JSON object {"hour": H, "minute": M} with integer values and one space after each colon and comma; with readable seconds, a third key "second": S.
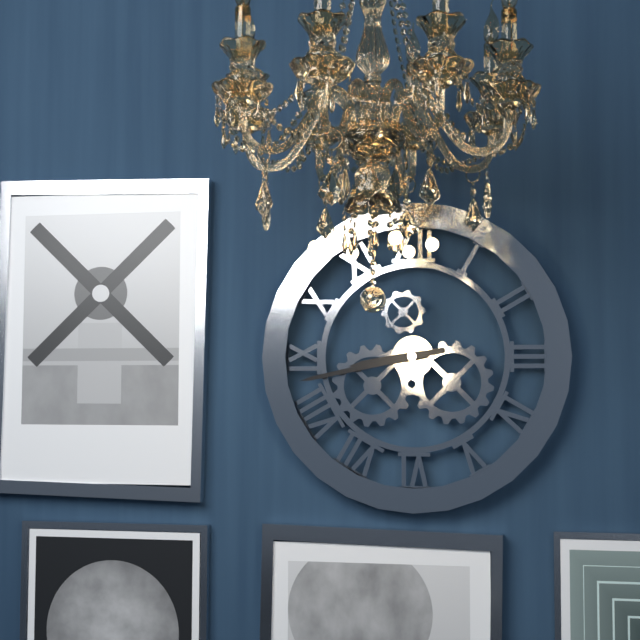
{"hour": 8, "minute": 43}
